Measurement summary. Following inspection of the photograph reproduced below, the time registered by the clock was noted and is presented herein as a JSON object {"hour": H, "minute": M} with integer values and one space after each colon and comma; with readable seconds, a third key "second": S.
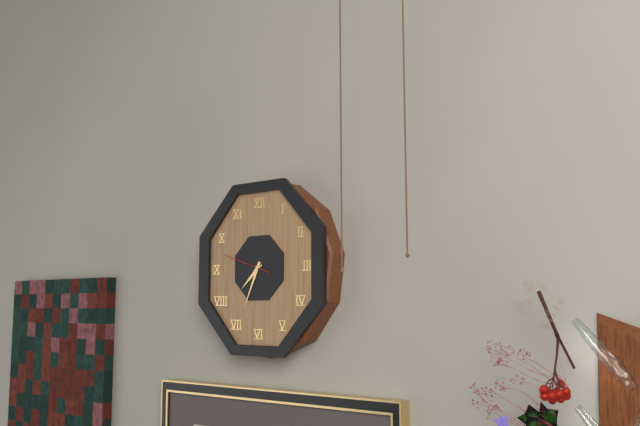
{"hour": 7, "minute": 34, "second": 48}
